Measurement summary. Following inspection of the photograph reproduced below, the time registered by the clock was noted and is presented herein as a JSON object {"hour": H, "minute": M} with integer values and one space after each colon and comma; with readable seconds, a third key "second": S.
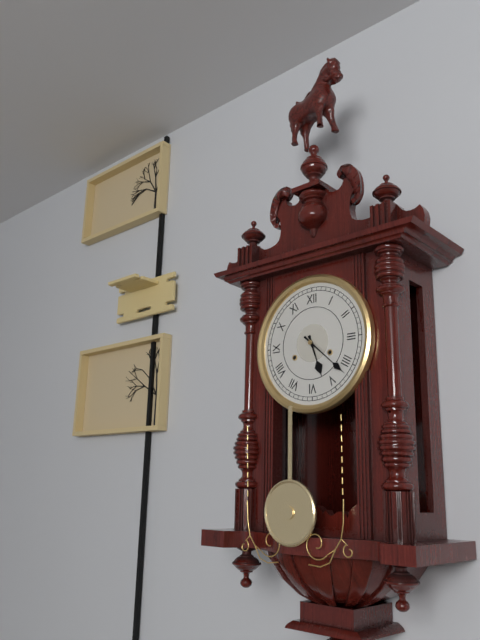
{"hour": 5, "minute": 22}
